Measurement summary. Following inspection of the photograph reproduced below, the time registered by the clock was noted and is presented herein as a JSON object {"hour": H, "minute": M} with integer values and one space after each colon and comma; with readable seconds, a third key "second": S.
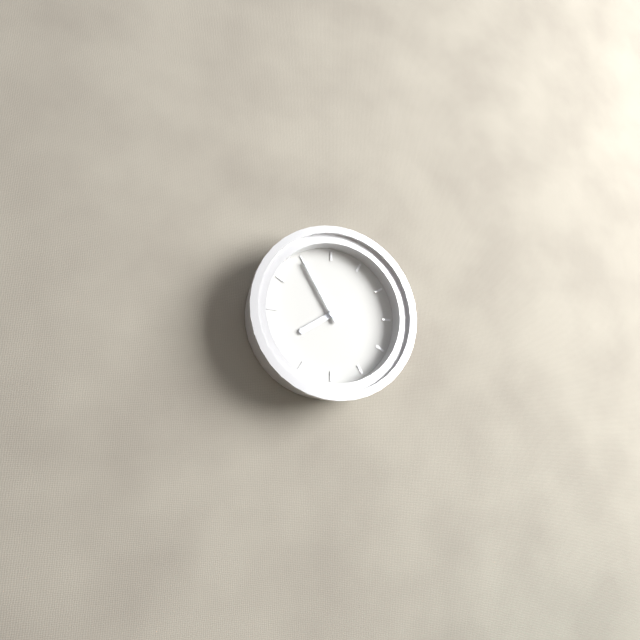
{"hour": 7, "minute": 55}
